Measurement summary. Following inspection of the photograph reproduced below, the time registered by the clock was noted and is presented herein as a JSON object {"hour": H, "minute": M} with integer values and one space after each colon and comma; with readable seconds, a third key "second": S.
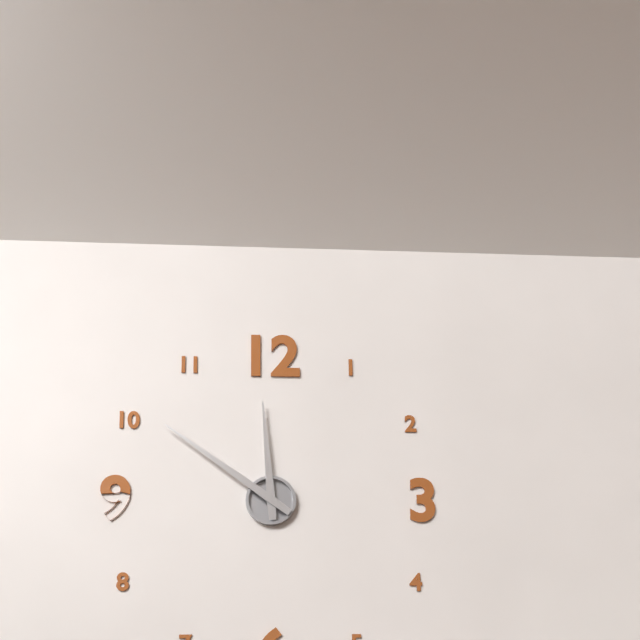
{"hour": 11, "minute": 51}
